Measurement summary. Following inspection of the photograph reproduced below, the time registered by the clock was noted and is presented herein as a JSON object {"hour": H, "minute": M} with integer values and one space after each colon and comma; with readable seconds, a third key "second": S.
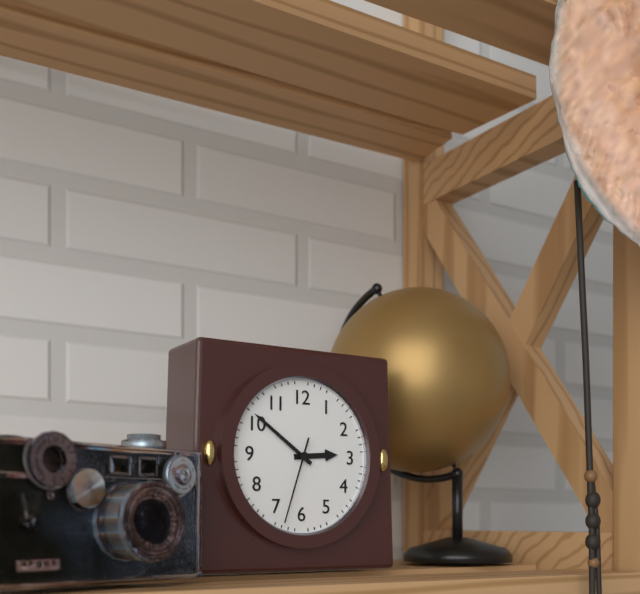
{"hour": 2, "minute": 51, "second": 33}
